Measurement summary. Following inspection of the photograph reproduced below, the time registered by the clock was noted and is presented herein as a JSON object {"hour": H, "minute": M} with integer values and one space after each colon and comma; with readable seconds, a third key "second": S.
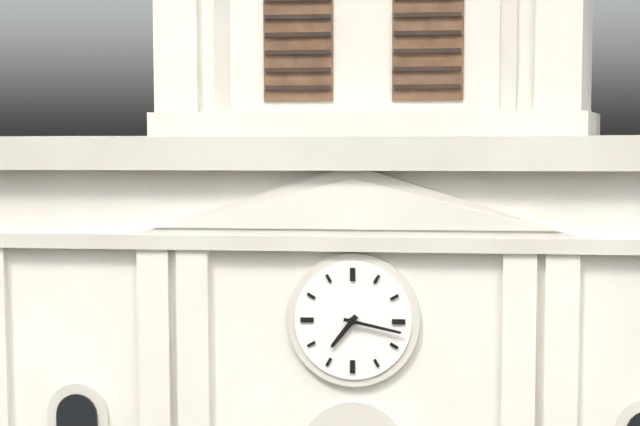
{"hour": 7, "minute": 17}
